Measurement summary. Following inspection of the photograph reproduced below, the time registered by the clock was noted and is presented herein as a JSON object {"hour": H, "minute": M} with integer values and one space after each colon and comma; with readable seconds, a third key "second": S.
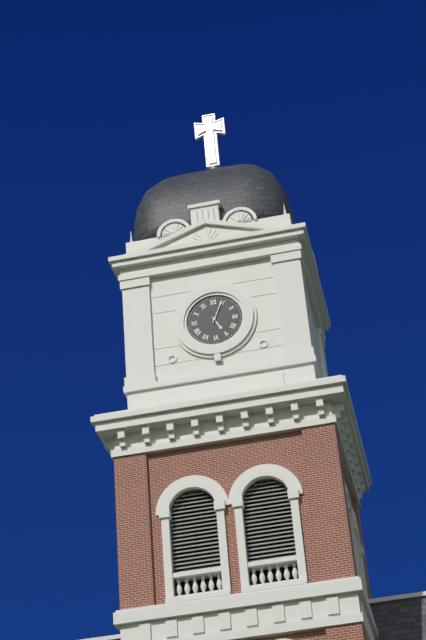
{"hour": 5, "minute": 4}
